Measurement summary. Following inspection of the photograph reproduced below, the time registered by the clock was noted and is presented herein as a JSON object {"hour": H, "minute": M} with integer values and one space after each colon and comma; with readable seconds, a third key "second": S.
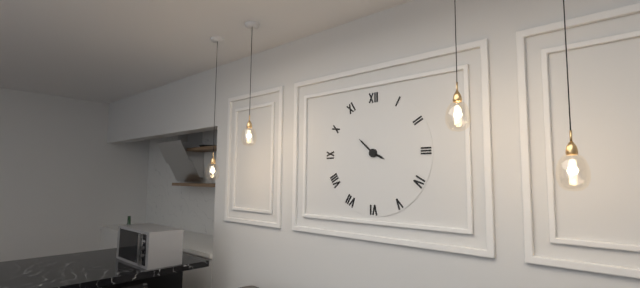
{"hour": 3, "minute": 52}
